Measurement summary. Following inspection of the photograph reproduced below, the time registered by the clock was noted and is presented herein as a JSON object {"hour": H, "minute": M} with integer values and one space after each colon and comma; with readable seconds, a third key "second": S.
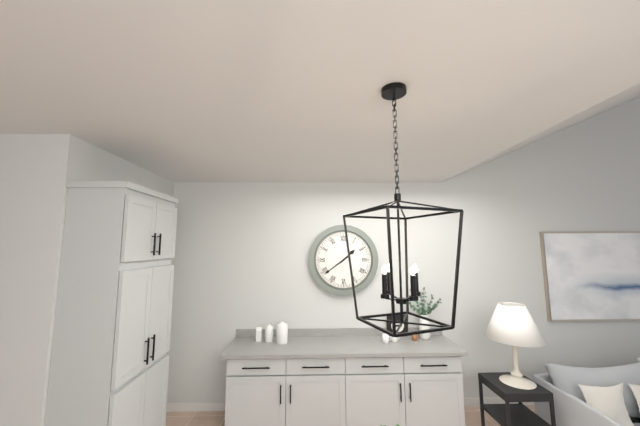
{"hour": 1, "minute": 39}
